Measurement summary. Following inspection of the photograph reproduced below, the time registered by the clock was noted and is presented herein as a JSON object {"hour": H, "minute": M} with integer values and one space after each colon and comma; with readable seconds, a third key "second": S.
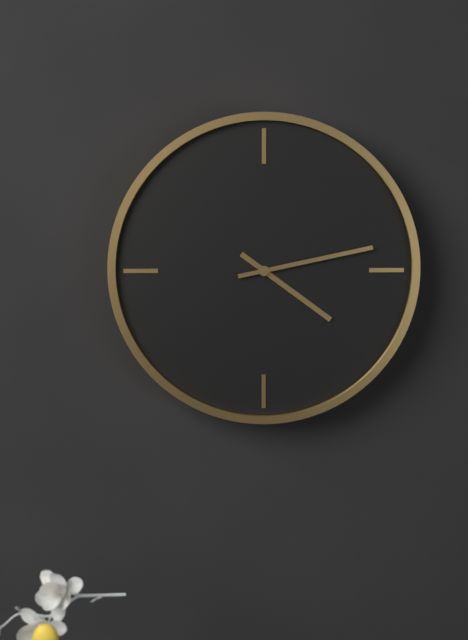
{"hour": 4, "minute": 13}
